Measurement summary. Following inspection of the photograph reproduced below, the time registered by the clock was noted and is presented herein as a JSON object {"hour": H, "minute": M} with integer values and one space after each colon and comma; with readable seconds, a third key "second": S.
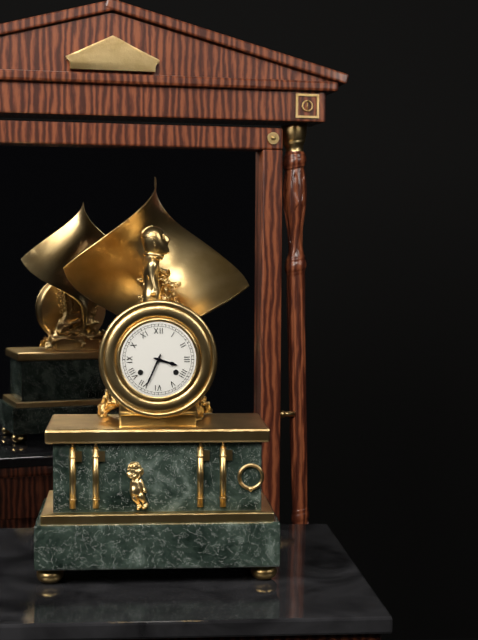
{"hour": 3, "minute": 34}
